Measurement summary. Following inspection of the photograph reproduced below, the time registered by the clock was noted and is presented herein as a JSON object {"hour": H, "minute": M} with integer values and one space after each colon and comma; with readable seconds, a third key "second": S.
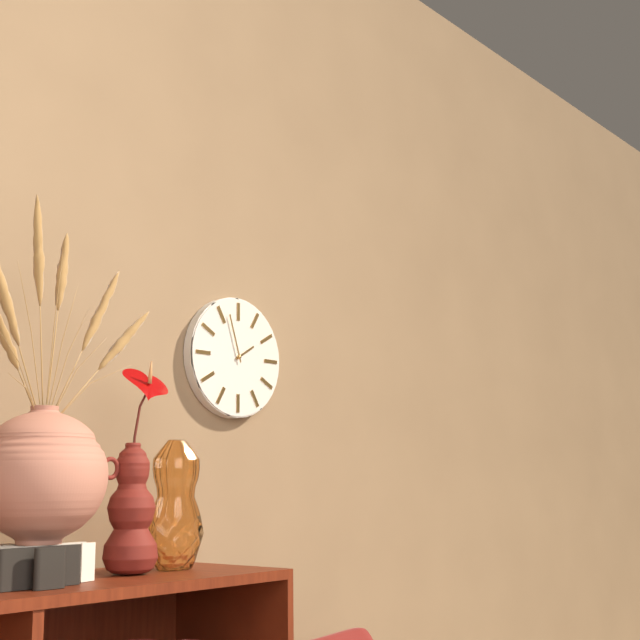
{"hour": 1, "minute": 57}
